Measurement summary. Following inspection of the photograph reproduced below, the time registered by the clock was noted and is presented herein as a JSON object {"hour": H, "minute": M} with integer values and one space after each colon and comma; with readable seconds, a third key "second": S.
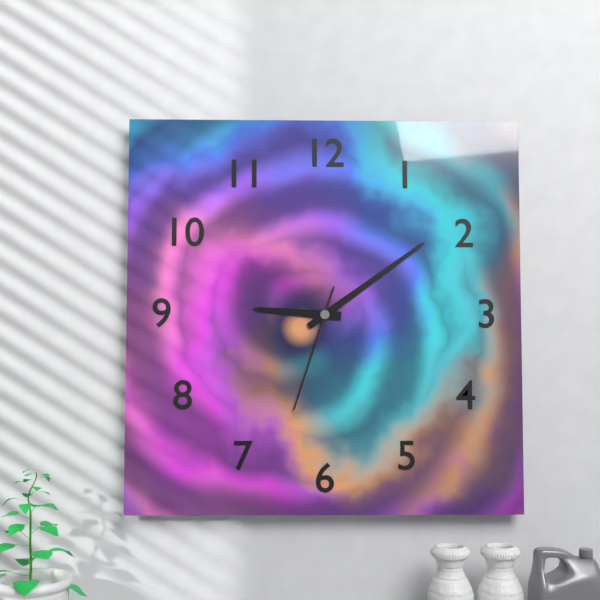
{"hour": 9, "minute": 9, "second": 33}
